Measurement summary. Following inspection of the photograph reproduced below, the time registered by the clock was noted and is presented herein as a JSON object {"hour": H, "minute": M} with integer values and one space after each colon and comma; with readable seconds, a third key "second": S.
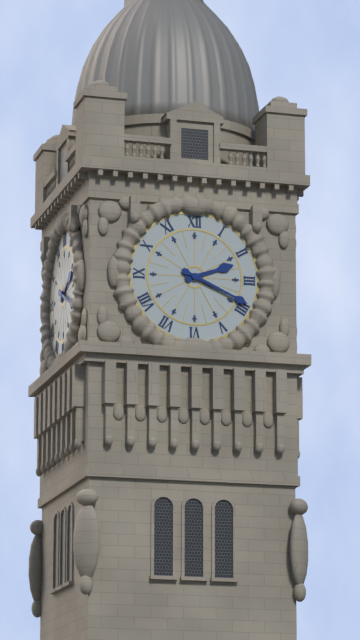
{"hour": 2, "minute": 19}
